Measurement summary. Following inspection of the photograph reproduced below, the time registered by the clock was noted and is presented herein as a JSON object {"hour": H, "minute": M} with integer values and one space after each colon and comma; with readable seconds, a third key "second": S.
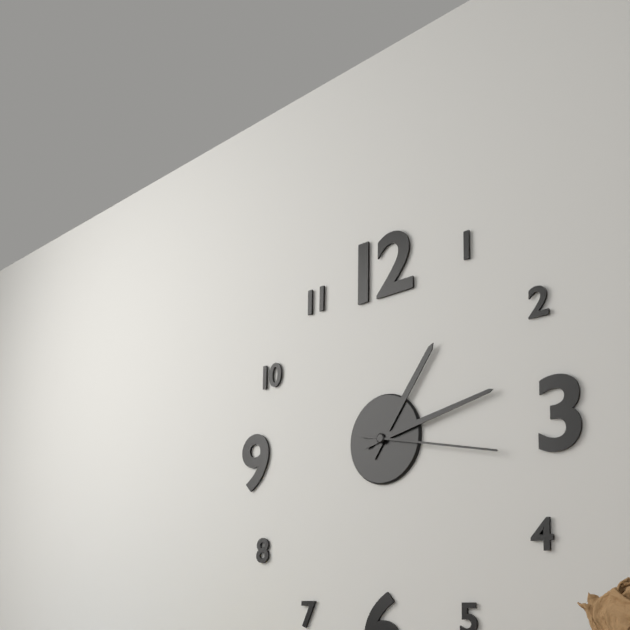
{"hour": 1, "minute": 13, "second": 17}
